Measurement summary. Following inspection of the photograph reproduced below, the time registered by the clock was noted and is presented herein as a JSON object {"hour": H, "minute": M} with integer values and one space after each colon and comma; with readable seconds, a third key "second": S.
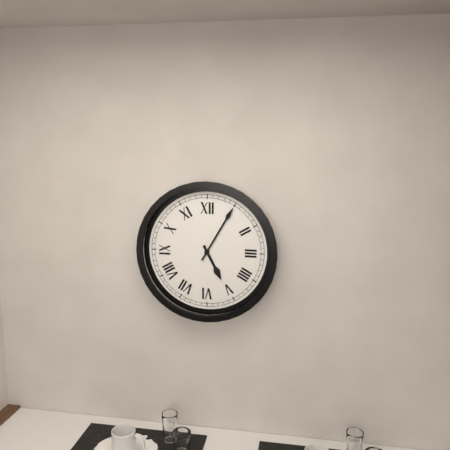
{"hour": 5, "minute": 5}
